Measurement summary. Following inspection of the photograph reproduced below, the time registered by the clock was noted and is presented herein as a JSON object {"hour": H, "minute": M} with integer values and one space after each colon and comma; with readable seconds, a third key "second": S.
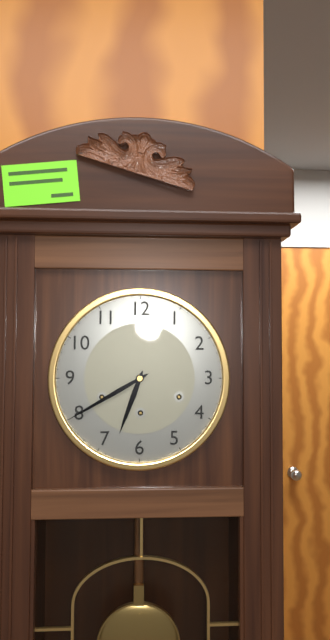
{"hour": 6, "minute": 40}
